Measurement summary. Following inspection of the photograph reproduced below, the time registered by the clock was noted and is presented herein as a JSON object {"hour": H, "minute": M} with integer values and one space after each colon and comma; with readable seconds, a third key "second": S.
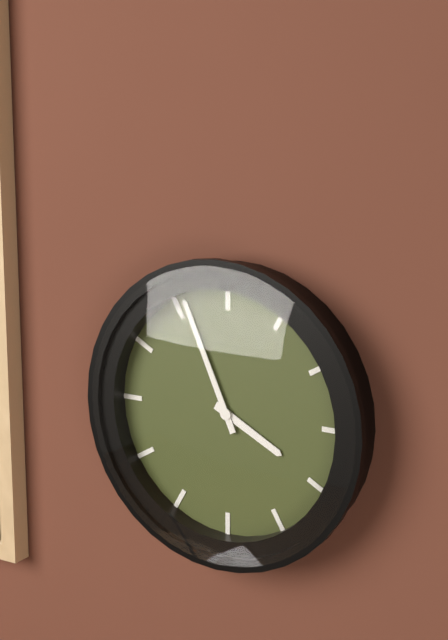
{"hour": 3, "minute": 56}
